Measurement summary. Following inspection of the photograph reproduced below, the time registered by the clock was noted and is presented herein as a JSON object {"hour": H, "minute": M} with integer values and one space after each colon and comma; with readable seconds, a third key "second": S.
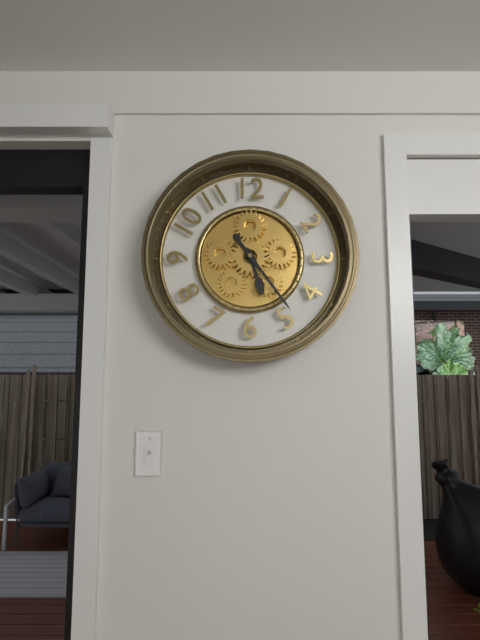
{"hour": 5, "minute": 24}
